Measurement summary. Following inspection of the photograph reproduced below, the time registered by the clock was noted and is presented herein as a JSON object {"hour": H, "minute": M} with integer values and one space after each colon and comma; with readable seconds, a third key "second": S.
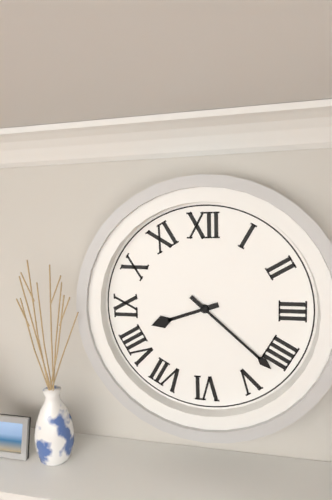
{"hour": 8, "minute": 22}
